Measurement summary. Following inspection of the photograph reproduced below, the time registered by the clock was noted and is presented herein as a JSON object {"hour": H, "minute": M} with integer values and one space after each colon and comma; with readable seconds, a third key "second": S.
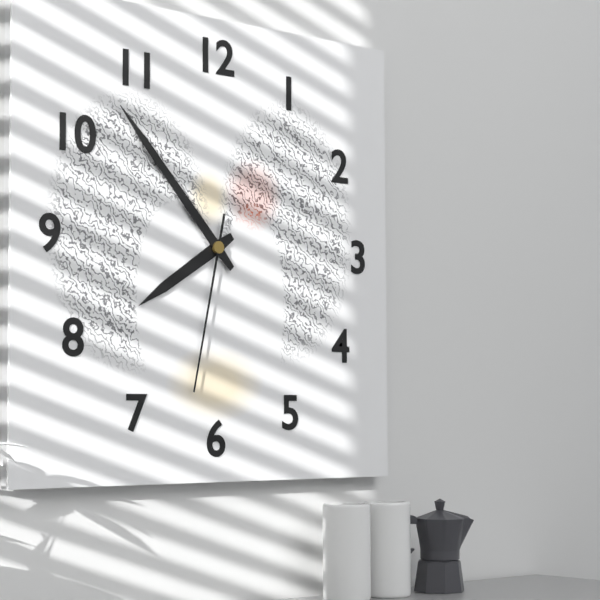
{"hour": 7, "minute": 53, "second": 32}
